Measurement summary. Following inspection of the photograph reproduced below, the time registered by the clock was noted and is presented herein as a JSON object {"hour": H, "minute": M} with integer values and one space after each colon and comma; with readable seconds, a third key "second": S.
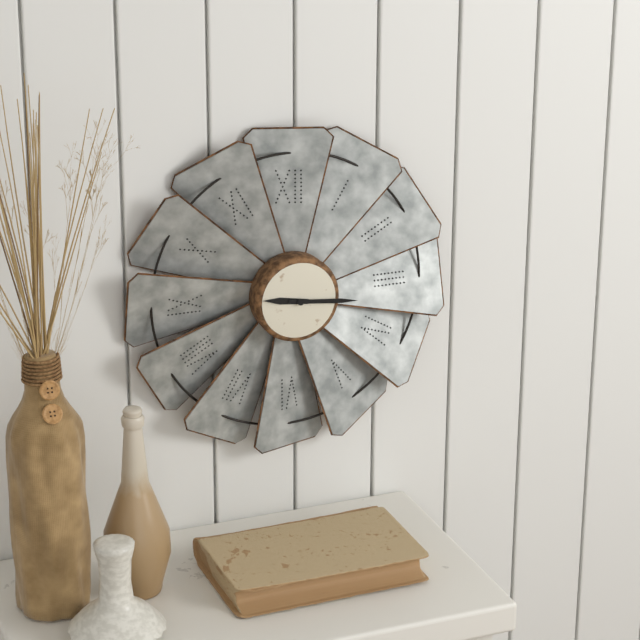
{"hour": 9, "minute": 16}
